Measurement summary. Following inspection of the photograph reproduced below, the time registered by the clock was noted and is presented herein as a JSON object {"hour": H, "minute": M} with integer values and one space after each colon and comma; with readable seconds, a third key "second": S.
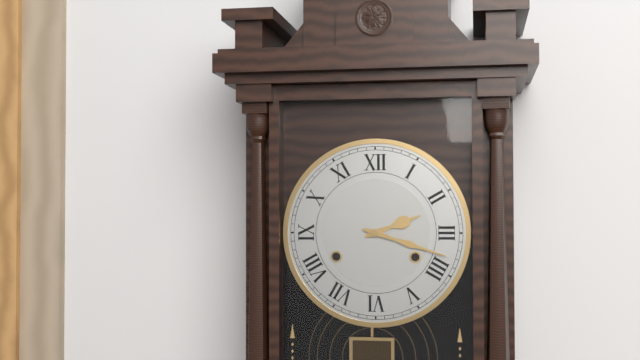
{"hour": 2, "minute": 18}
